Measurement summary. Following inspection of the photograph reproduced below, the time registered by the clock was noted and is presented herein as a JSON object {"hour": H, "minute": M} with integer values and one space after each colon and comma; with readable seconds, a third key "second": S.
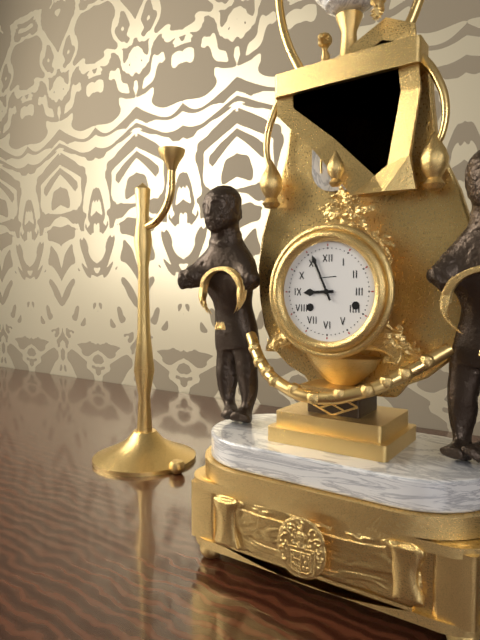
{"hour": 8, "minute": 56}
